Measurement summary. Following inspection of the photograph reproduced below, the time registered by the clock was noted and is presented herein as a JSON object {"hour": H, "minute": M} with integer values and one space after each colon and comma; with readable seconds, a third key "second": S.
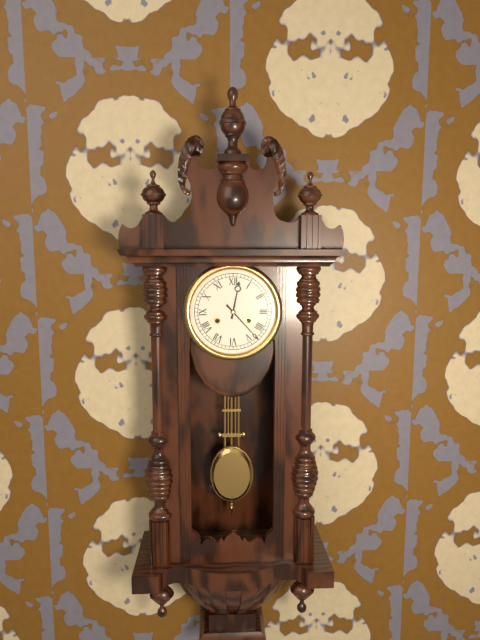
{"hour": 12, "minute": 23}
